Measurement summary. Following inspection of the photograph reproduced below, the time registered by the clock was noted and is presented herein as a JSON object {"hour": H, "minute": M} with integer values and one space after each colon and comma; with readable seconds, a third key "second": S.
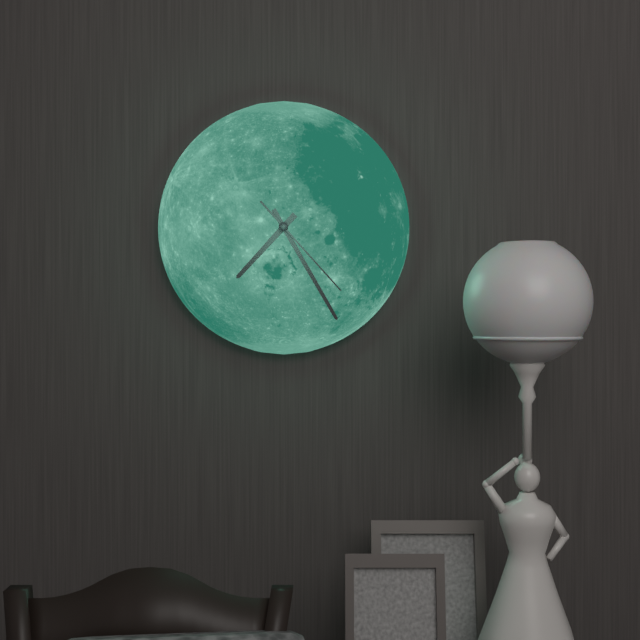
{"hour": 7, "minute": 25, "second": 23}
